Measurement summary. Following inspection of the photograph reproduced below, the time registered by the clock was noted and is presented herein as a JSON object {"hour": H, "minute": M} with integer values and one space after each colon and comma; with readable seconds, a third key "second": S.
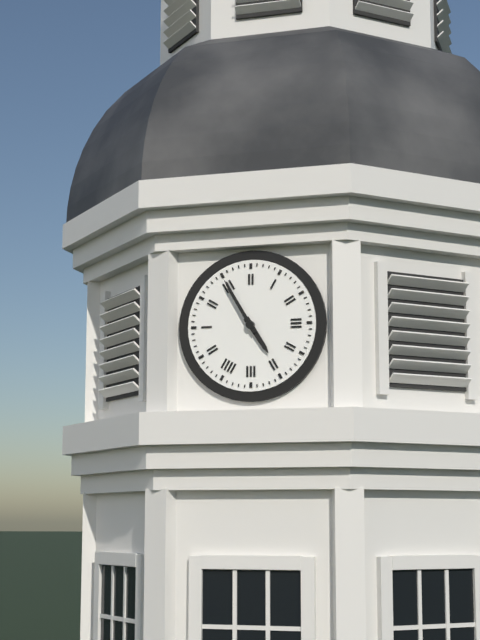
{"hour": 4, "minute": 55}
